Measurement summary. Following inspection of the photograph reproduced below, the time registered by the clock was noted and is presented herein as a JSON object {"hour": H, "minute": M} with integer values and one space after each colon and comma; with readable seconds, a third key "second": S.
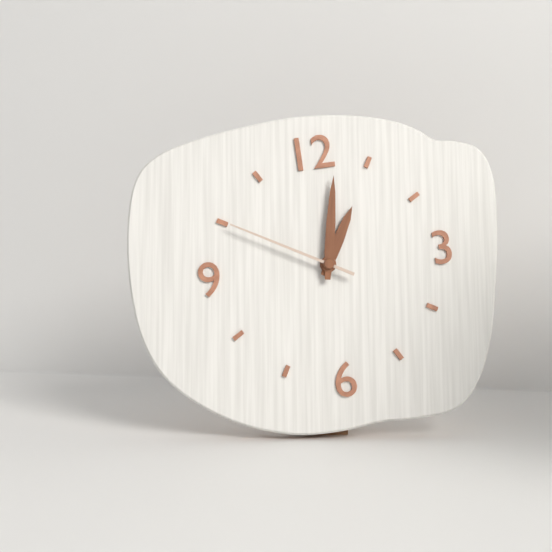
{"hour": 1, "minute": 2, "second": 50}
